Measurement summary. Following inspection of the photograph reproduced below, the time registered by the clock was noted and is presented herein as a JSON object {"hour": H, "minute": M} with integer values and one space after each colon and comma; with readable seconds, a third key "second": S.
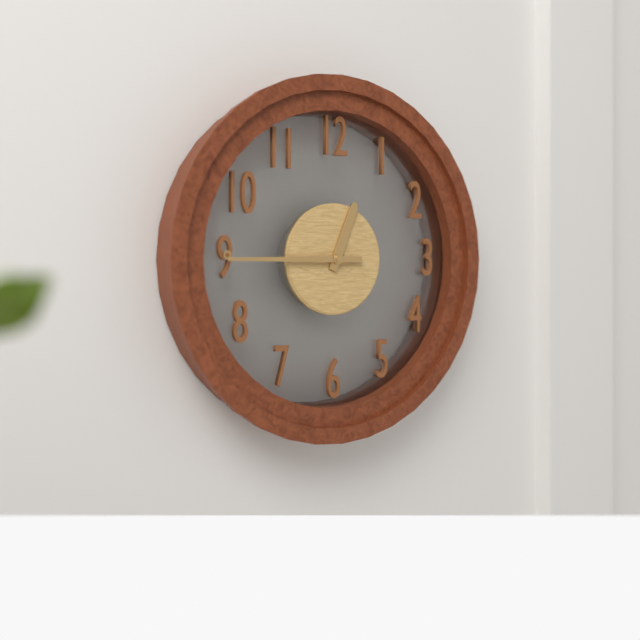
{"hour": 12, "minute": 45}
